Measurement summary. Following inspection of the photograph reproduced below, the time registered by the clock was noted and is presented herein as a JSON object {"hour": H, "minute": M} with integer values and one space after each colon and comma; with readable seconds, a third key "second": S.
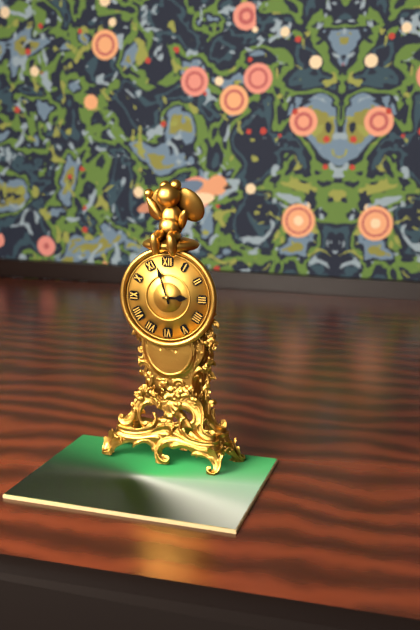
{"hour": 2, "minute": 57}
